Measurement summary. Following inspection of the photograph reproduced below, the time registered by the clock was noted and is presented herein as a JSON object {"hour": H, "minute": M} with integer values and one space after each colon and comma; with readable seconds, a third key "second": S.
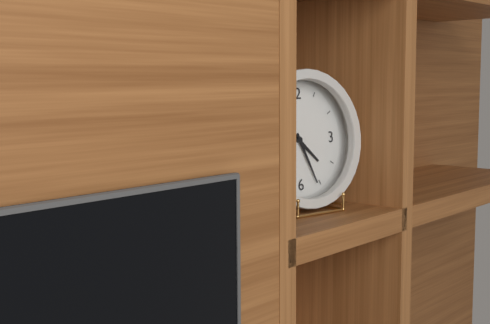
{"hour": 4, "minute": 26}
